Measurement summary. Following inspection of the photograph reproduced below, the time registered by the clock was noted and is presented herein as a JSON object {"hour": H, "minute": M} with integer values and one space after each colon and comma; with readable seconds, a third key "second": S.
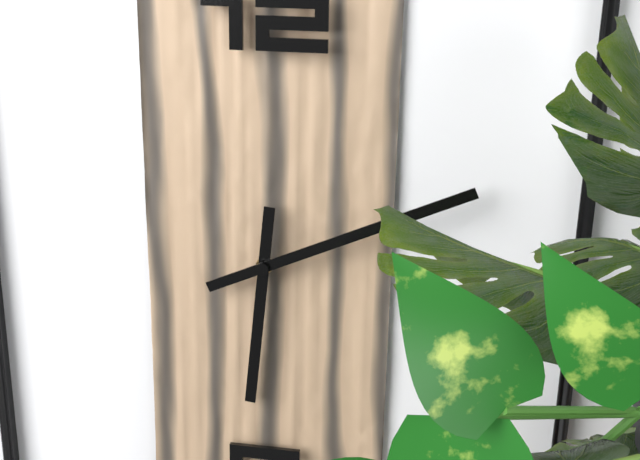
{"hour": 6, "minute": 11}
